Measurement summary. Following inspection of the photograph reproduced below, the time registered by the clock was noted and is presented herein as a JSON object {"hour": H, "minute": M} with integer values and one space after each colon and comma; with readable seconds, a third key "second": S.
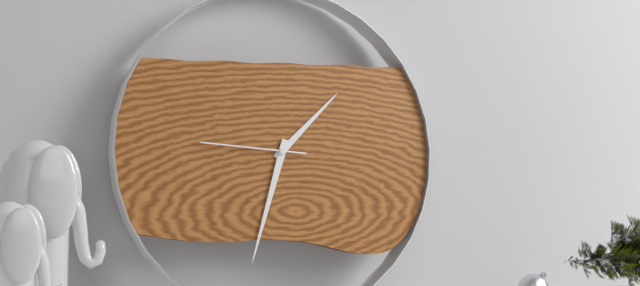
{"hour": 1, "minute": 33, "second": 46}
